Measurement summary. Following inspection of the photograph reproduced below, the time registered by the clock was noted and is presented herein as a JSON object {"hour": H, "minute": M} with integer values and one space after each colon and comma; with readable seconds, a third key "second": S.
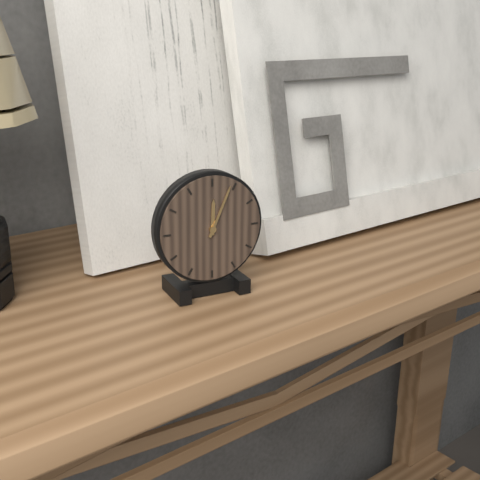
{"hour": 12, "minute": 4}
